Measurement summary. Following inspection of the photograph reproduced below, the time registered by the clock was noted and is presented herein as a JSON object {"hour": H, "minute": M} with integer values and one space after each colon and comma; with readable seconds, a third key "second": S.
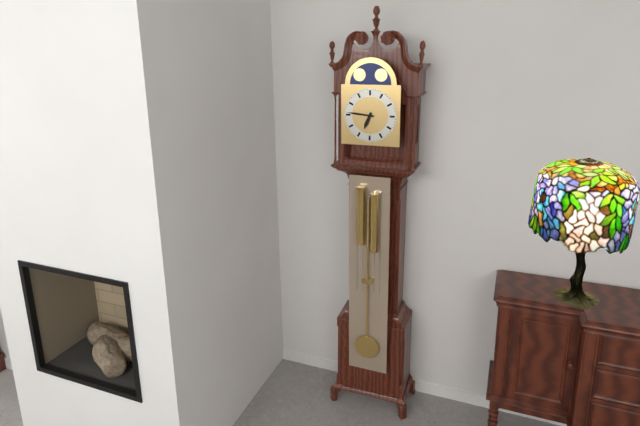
{"hour": 6, "minute": 46}
